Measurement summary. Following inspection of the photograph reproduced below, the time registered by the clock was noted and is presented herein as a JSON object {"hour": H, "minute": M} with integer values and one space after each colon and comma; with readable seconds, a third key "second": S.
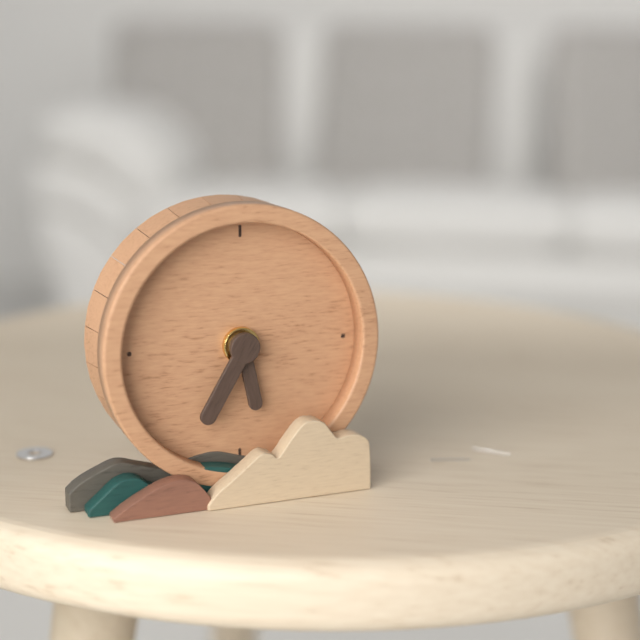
{"hour": 5, "minute": 35}
